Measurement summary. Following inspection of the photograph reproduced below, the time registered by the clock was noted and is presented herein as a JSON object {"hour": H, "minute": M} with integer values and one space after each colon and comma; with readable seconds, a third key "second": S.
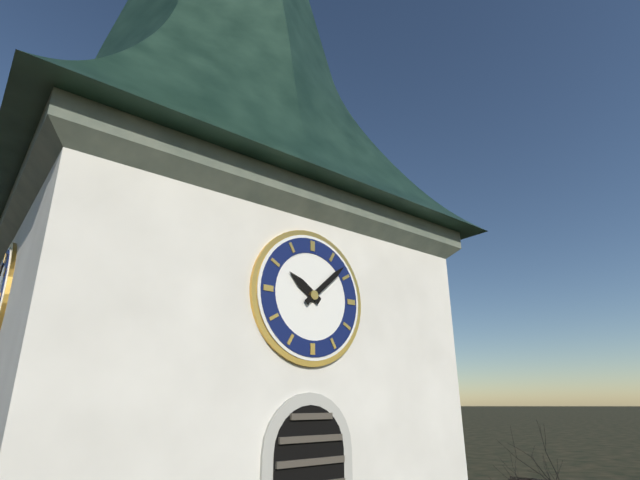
{"hour": 10, "minute": 8}
